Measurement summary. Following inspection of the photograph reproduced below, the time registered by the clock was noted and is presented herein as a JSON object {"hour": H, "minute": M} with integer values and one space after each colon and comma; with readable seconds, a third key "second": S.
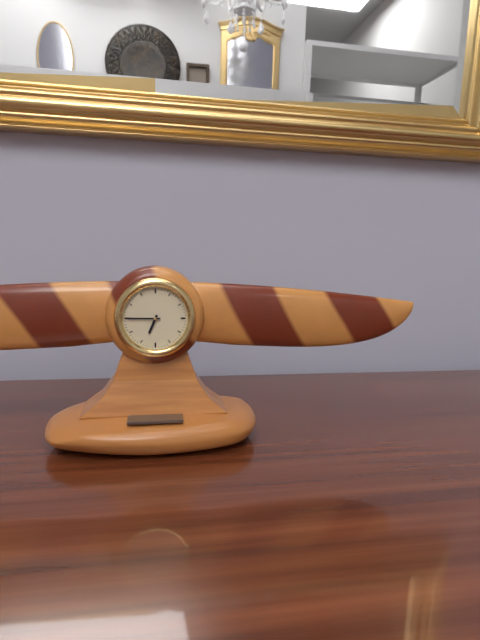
{"hour": 6, "minute": 45}
